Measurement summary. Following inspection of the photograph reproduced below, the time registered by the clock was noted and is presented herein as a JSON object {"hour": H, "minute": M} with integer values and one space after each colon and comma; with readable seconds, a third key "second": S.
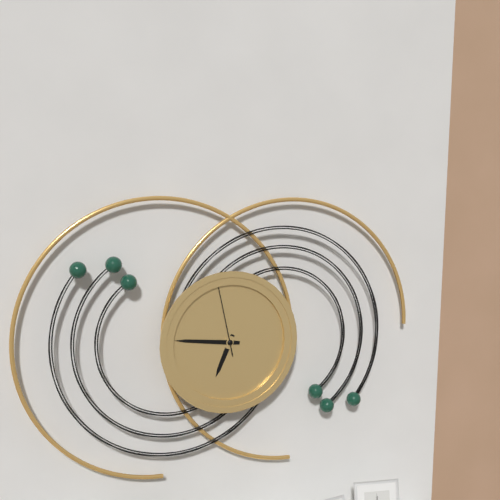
{"hour": 6, "minute": 46, "second": 58}
